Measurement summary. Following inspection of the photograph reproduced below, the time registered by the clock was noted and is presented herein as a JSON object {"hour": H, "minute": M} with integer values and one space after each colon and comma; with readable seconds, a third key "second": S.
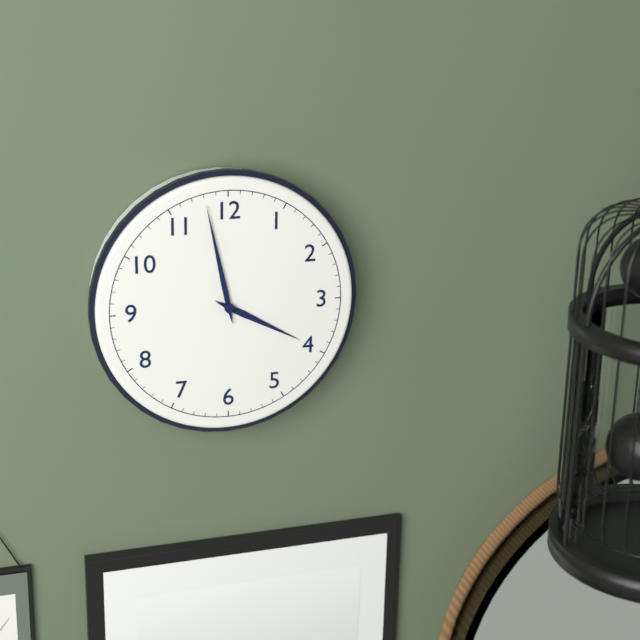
{"hour": 3, "minute": 58}
